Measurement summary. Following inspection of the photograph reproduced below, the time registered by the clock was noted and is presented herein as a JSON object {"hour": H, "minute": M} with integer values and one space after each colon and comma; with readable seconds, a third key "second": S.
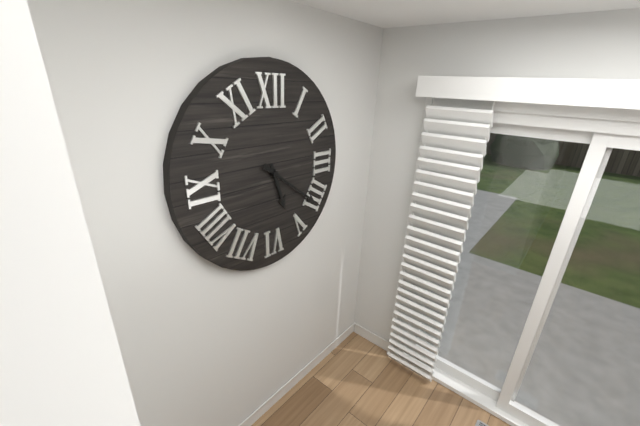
{"hour": 5, "minute": 21}
